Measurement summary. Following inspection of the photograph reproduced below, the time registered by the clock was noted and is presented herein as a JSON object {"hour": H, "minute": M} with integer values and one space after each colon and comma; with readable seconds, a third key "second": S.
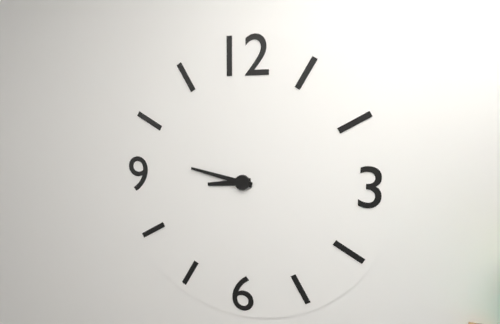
{"hour": 8, "minute": 47}
